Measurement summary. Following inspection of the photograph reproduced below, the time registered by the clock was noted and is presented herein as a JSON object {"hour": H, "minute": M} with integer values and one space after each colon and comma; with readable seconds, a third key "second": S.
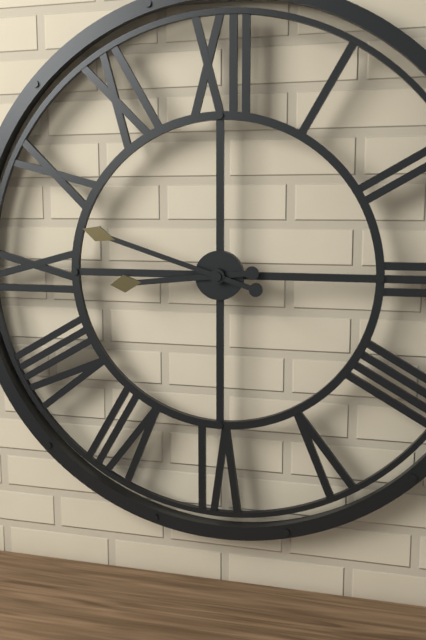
{"hour": 8, "minute": 48}
